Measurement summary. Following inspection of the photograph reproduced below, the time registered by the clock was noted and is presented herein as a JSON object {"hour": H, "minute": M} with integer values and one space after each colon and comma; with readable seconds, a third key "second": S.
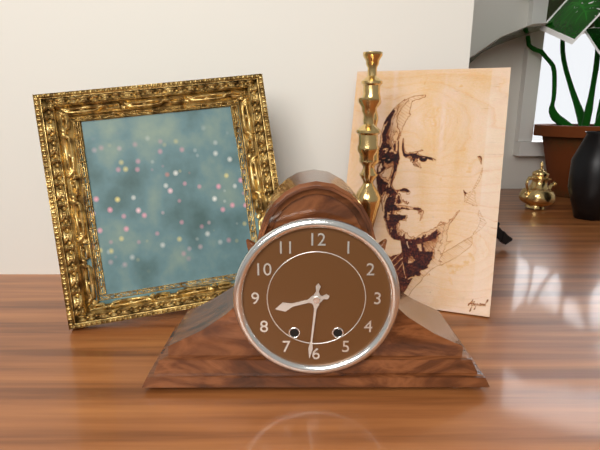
{"hour": 8, "minute": 31}
